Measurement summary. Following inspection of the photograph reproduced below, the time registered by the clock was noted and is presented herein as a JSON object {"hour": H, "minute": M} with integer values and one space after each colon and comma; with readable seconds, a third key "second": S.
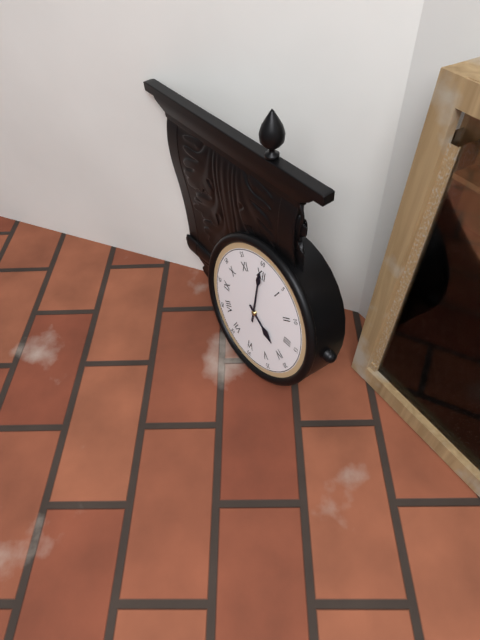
{"hour": 4, "minute": 0}
